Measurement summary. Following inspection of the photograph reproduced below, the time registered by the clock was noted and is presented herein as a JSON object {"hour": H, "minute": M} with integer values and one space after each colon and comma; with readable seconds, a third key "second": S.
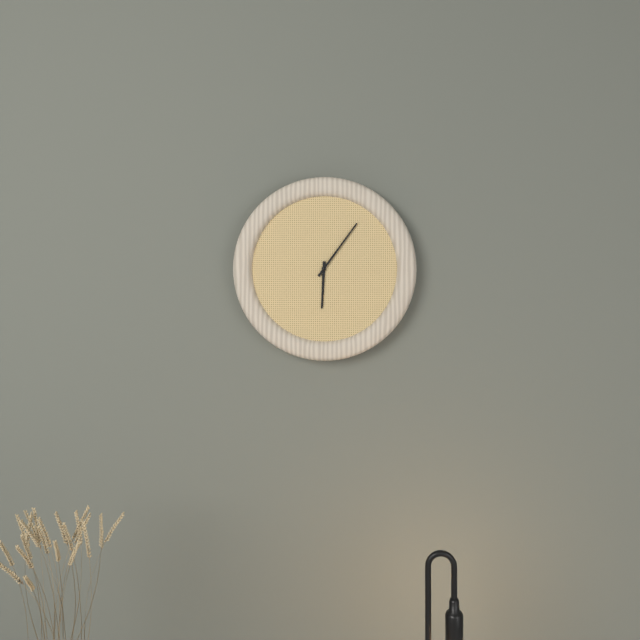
{"hour": 6, "minute": 6}
